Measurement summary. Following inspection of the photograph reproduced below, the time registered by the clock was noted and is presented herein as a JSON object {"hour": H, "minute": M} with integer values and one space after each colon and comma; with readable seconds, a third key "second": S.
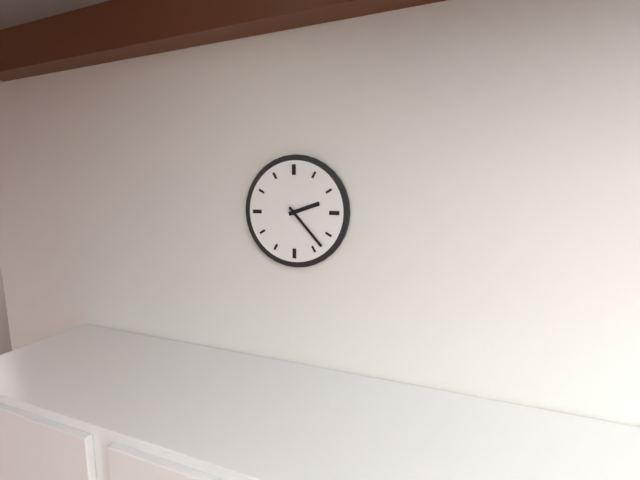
{"hour": 2, "minute": 23}
